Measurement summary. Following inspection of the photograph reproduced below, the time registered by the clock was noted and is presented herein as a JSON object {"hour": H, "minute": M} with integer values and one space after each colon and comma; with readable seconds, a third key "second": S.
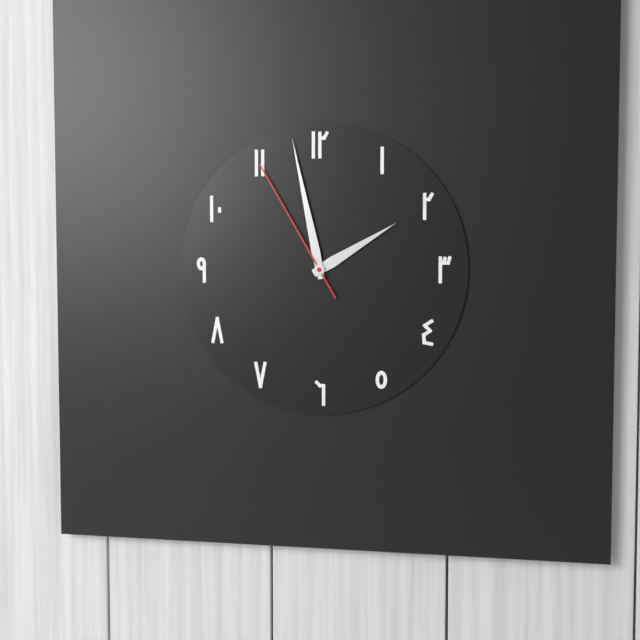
{"hour": 1, "minute": 58, "second": 55}
